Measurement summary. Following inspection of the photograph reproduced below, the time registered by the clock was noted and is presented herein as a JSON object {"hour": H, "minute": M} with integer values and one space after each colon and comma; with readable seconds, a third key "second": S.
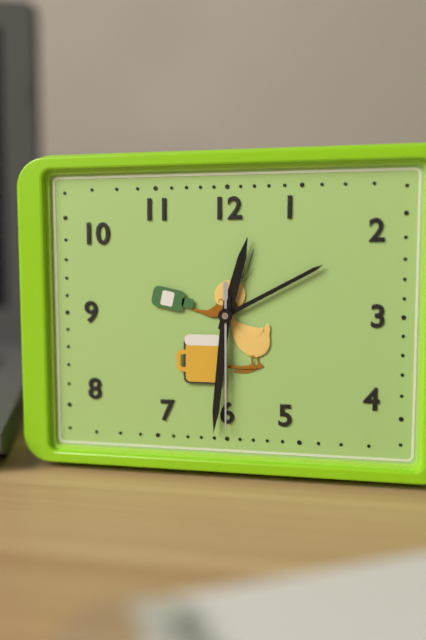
{"hour": 12, "minute": 31, "second": 30}
